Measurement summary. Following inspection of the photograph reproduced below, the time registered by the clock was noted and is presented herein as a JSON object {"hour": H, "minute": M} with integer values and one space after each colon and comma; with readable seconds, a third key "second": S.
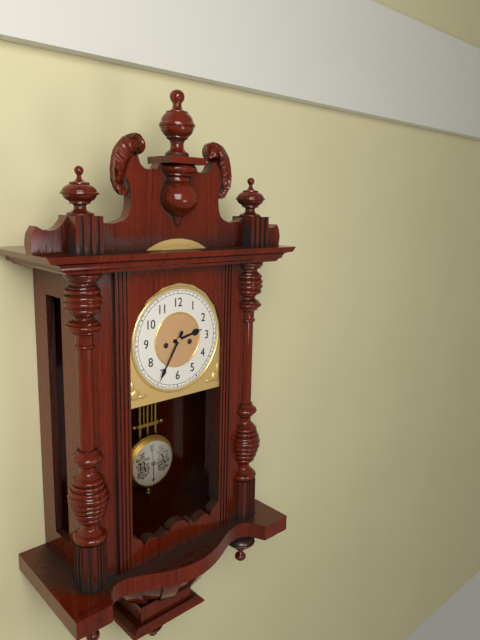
{"hour": 2, "minute": 35}
